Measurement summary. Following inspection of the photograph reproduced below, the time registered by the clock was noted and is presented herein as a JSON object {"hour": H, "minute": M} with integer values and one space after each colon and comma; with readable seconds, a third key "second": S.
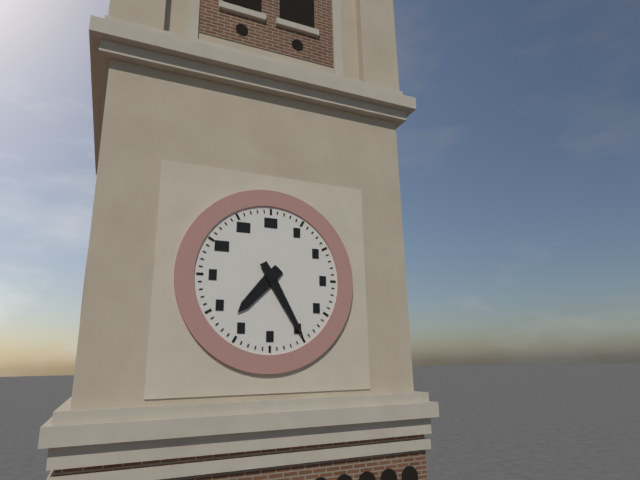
{"hour": 7, "minute": 25}
